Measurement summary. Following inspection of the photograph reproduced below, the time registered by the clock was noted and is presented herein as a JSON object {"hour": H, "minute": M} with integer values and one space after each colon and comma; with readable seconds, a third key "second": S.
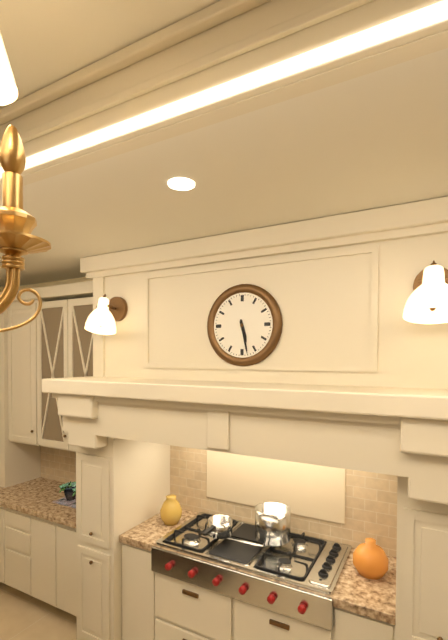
{"hour": 5, "minute": 28}
